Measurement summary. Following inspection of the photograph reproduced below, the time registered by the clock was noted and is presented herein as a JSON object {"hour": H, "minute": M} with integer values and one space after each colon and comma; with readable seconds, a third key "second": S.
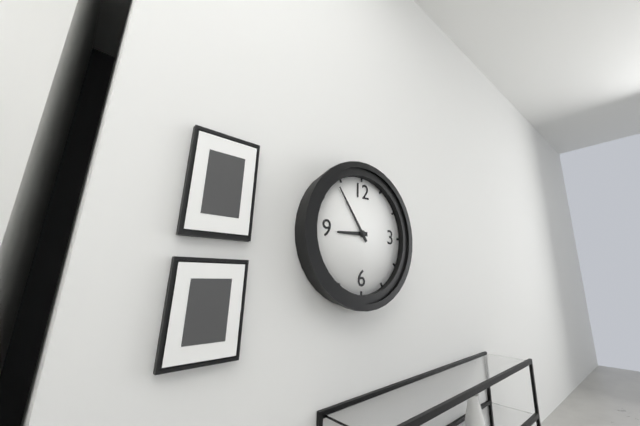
{"hour": 8, "minute": 54}
